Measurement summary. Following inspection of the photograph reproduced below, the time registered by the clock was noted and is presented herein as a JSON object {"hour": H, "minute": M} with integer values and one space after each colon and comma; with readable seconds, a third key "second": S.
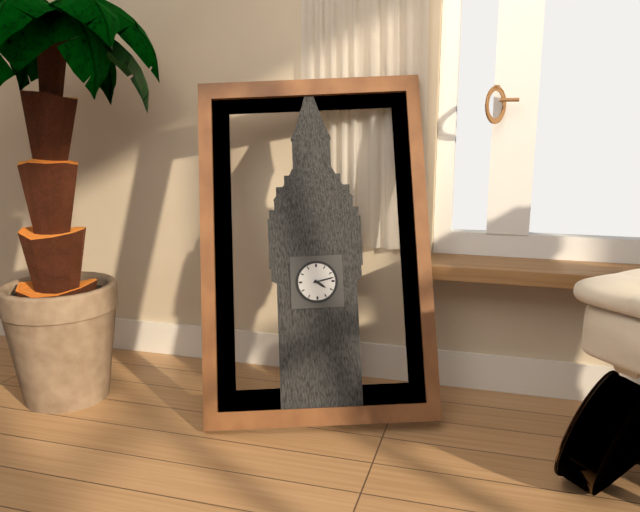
{"hour": 4, "minute": 13}
